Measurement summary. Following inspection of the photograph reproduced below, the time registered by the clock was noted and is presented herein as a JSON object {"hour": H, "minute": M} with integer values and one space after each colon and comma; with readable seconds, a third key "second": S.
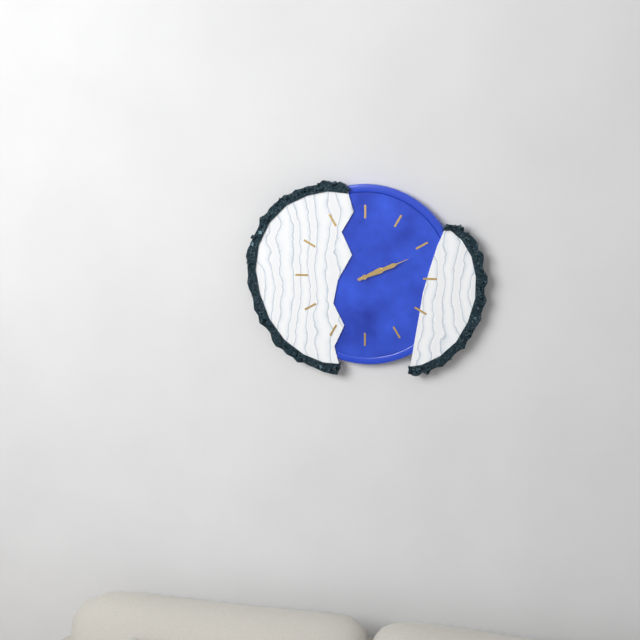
{"hour": 2, "minute": 11}
